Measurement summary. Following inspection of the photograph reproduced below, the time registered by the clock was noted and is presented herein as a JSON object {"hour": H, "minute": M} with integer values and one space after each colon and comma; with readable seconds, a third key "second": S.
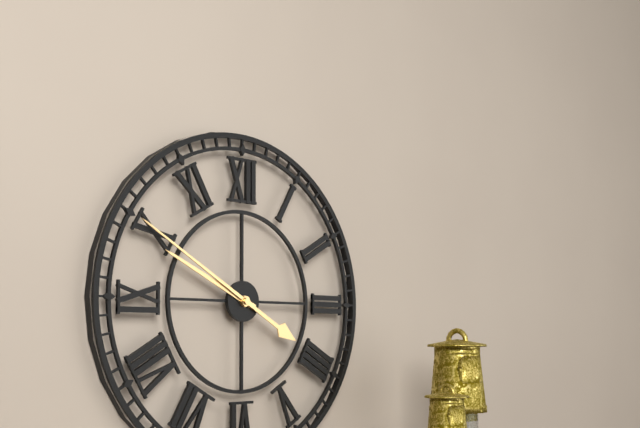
{"hour": 9, "minute": 50}
